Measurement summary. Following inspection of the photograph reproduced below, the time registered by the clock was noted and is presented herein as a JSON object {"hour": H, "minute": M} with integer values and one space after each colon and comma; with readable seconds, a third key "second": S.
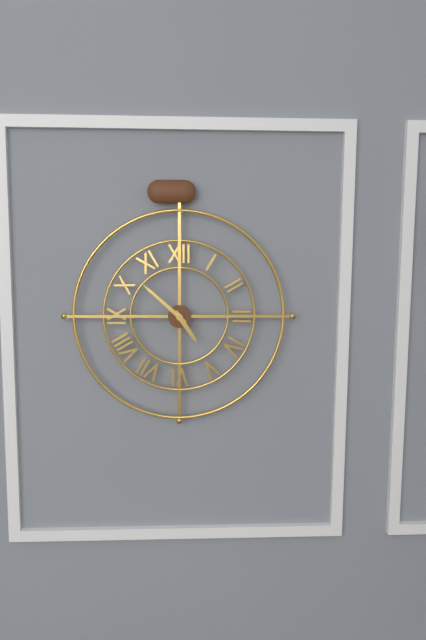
{"hour": 4, "minute": 52}
